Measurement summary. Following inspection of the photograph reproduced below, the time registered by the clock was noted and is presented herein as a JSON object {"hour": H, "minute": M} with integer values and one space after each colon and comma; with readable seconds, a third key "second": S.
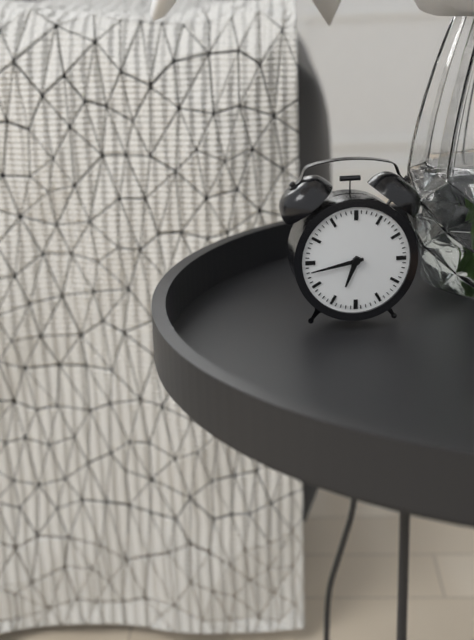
{"hour": 6, "minute": 43}
